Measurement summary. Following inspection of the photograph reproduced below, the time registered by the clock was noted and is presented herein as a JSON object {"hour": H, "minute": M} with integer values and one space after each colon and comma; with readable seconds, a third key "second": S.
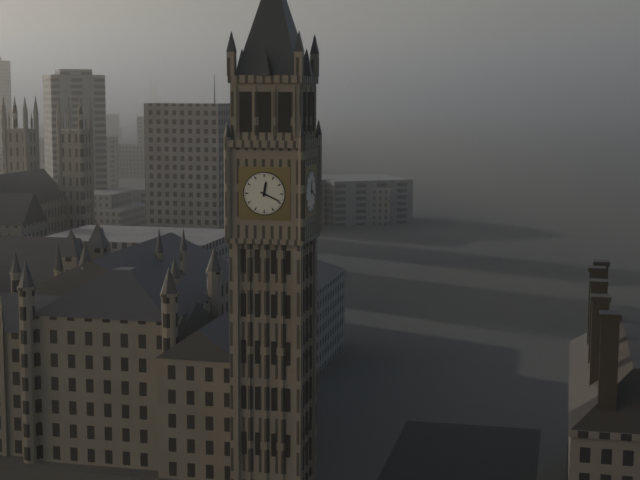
{"hour": 12, "minute": 19}
